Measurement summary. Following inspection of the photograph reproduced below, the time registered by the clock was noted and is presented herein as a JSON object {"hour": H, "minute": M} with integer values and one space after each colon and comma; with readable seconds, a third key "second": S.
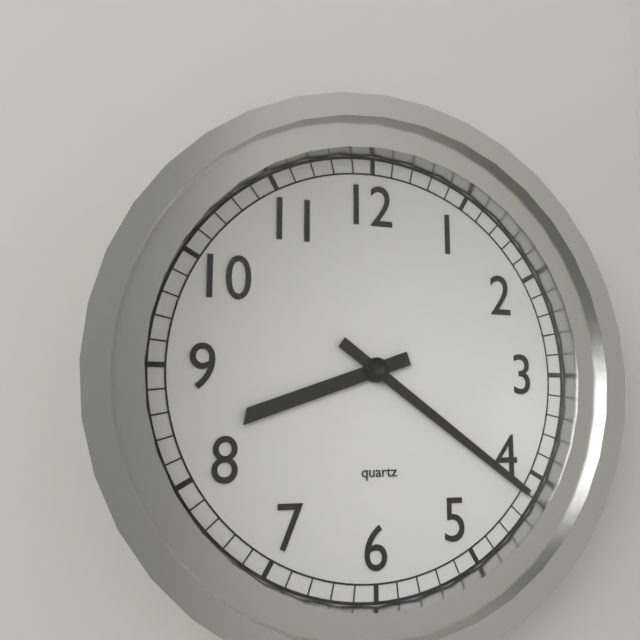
{"hour": 8, "minute": 21}
